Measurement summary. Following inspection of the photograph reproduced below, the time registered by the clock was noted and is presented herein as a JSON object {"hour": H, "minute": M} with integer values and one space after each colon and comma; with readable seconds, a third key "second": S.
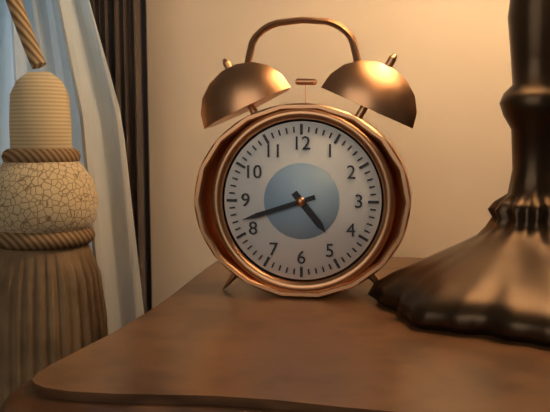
{"hour": 4, "minute": 42}
